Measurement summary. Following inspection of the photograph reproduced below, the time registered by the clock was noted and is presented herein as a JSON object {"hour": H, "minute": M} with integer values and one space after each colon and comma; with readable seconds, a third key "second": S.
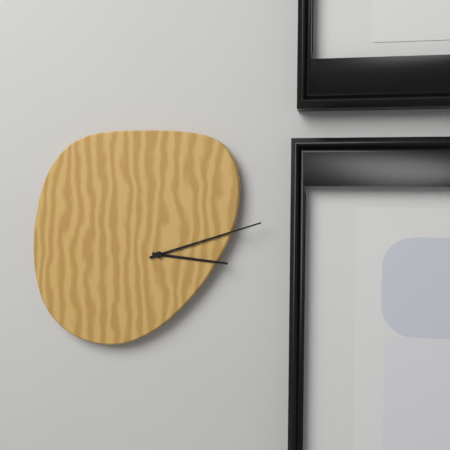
{"hour": 3, "minute": 12}
